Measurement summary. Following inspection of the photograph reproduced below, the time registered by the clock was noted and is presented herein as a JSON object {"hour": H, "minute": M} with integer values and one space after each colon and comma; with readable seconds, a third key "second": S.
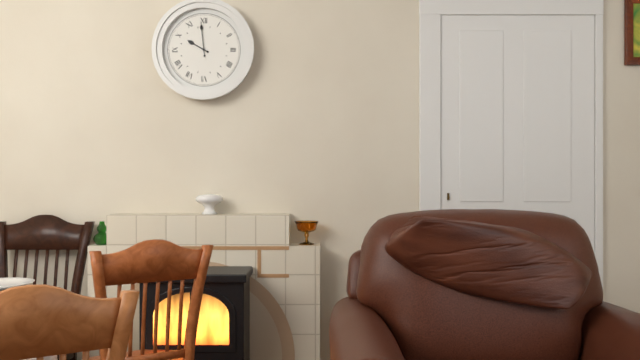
{"hour": 9, "minute": 59}
